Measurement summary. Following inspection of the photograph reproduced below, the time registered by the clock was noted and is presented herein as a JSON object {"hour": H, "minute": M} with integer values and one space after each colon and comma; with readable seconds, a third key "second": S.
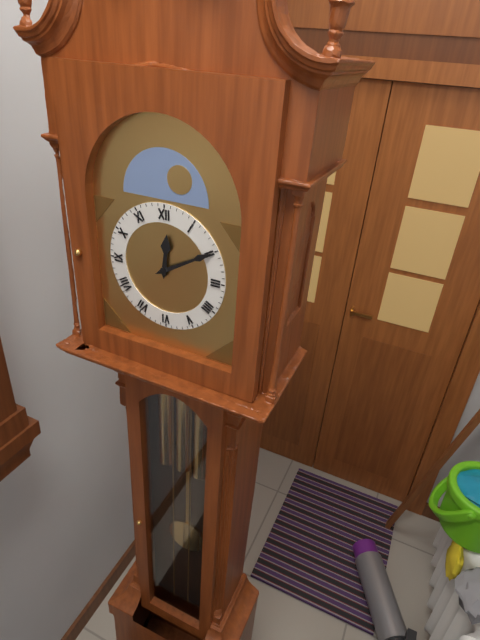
{"hour": 12, "minute": 10}
